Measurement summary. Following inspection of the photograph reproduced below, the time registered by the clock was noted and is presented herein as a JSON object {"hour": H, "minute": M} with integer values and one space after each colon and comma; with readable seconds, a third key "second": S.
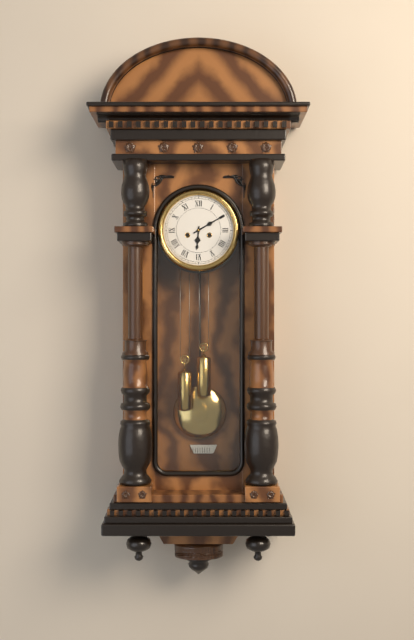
{"hour": 6, "minute": 10}
